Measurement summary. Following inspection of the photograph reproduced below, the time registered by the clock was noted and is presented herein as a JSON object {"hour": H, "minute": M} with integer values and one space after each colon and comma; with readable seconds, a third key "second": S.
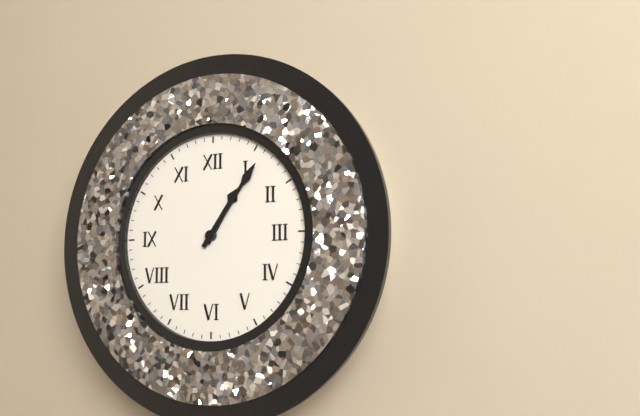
{"hour": 1, "minute": 6}
